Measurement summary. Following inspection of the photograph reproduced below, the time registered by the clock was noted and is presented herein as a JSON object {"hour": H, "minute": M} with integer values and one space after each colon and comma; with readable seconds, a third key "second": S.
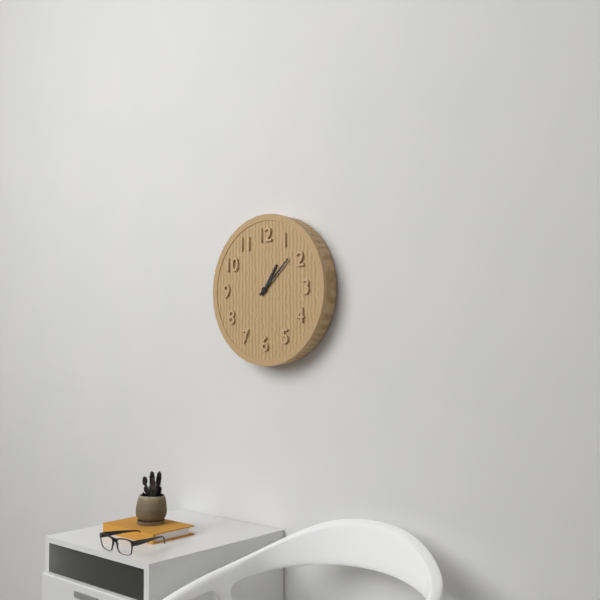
{"hour": 1, "minute": 8}
